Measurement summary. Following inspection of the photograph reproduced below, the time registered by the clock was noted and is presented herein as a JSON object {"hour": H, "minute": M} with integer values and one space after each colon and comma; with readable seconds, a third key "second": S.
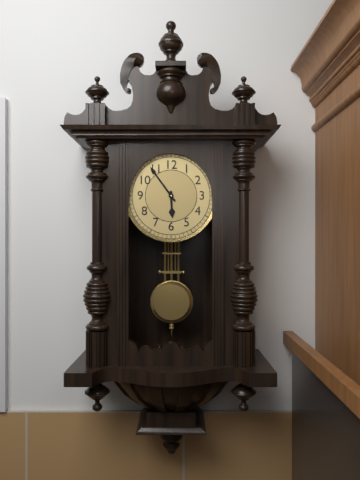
{"hour": 5, "minute": 54}
